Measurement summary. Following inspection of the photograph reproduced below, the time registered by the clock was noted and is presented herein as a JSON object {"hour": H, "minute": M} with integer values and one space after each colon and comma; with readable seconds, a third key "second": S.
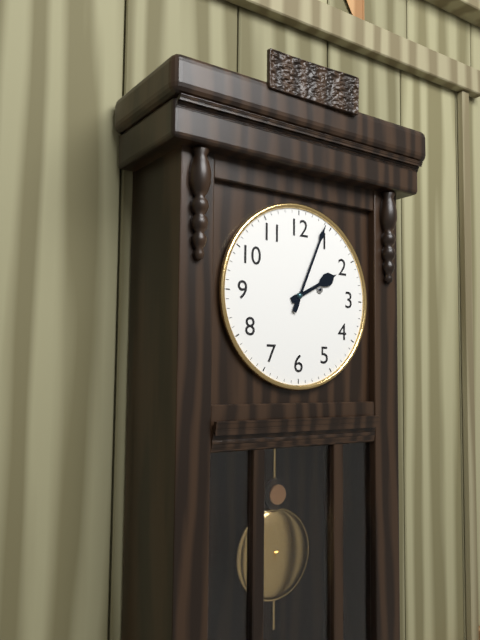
{"hour": 2, "minute": 4}
